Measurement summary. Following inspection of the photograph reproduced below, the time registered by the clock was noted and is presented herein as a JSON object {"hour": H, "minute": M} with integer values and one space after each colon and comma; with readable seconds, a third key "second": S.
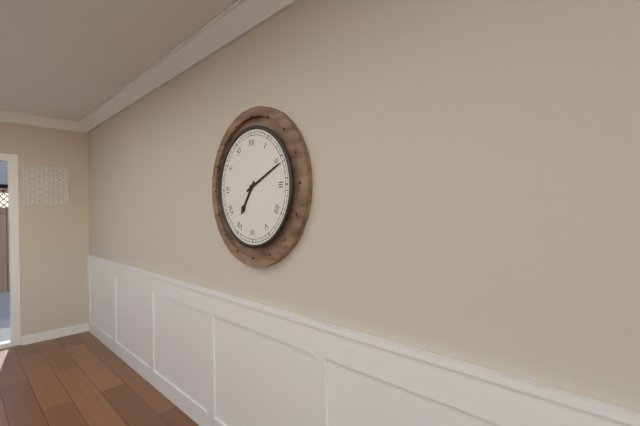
{"hour": 7, "minute": 11}
